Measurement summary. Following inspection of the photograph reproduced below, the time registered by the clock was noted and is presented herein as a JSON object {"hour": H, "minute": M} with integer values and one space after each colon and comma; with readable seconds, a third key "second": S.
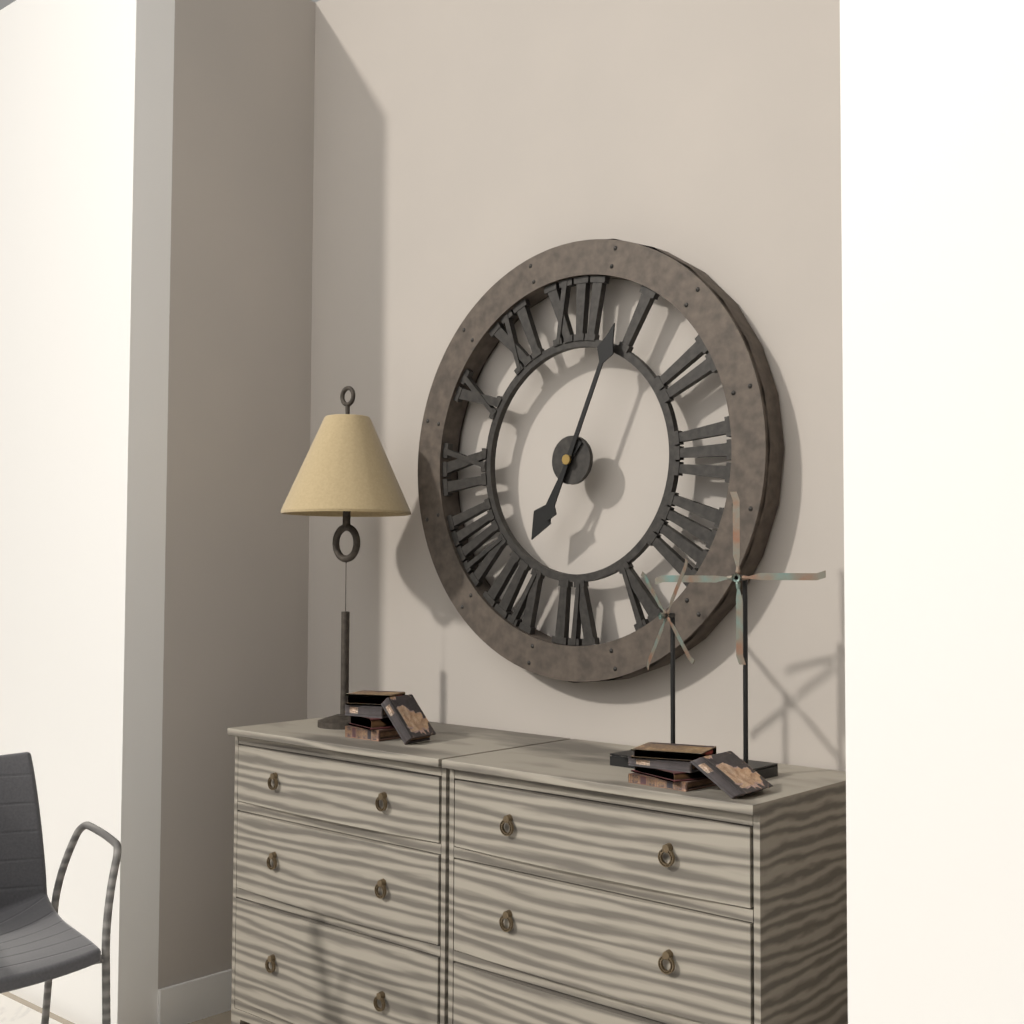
{"hour": 7, "minute": 4}
